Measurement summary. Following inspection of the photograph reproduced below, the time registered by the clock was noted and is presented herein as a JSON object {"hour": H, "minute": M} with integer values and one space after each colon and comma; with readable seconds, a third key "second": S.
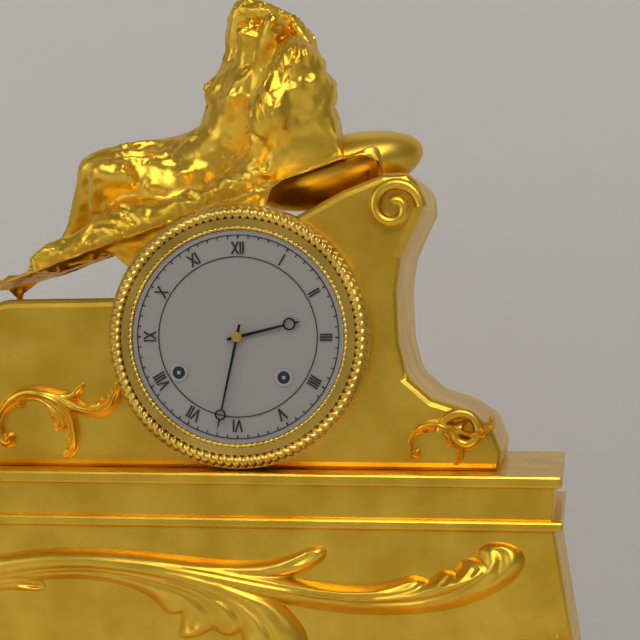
{"hour": 2, "minute": 32}
